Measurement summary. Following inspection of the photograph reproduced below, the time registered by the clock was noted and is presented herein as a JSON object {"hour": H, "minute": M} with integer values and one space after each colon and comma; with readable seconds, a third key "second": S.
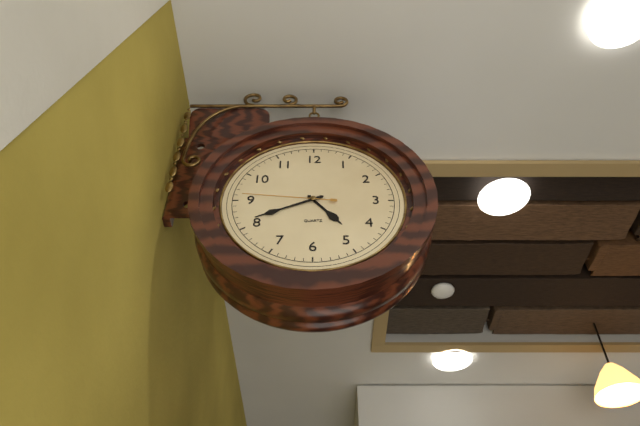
{"hour": 4, "minute": 41, "second": 46}
